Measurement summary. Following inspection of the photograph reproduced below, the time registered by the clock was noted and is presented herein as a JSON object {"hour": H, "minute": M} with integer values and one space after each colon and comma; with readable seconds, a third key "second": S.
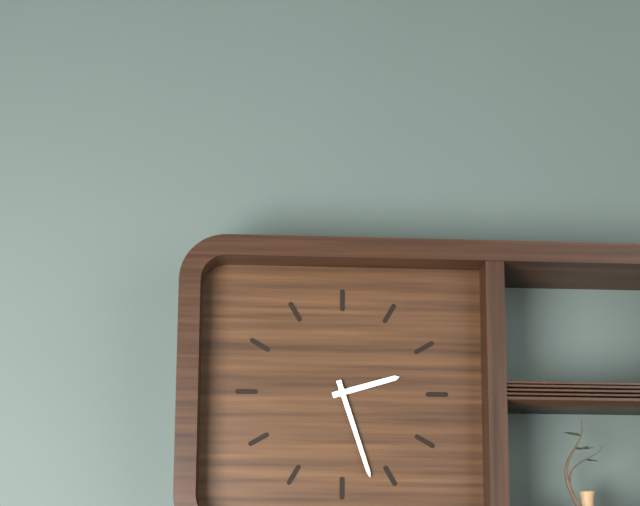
{"hour": 2, "minute": 27}
